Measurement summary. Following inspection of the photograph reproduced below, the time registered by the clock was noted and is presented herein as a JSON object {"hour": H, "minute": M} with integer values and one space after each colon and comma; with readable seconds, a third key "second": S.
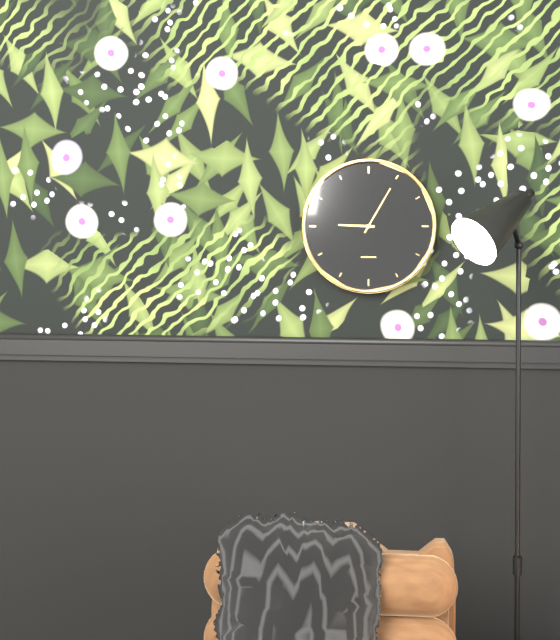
{"hour": 9, "minute": 5}
